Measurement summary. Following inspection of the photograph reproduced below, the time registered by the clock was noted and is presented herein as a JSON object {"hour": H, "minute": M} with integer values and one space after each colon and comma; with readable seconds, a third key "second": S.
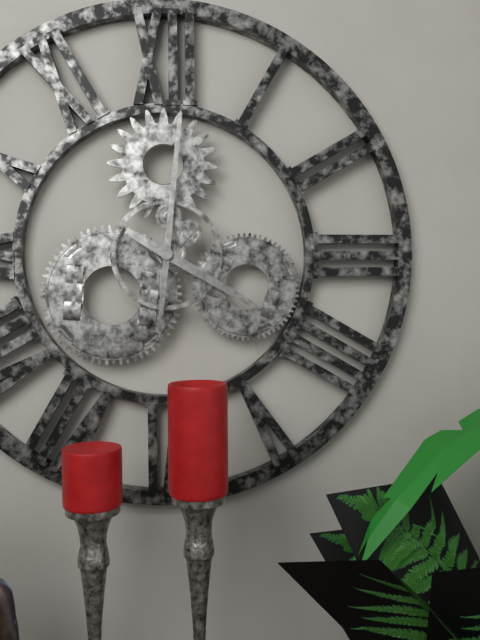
{"hour": 4, "minute": 1}
